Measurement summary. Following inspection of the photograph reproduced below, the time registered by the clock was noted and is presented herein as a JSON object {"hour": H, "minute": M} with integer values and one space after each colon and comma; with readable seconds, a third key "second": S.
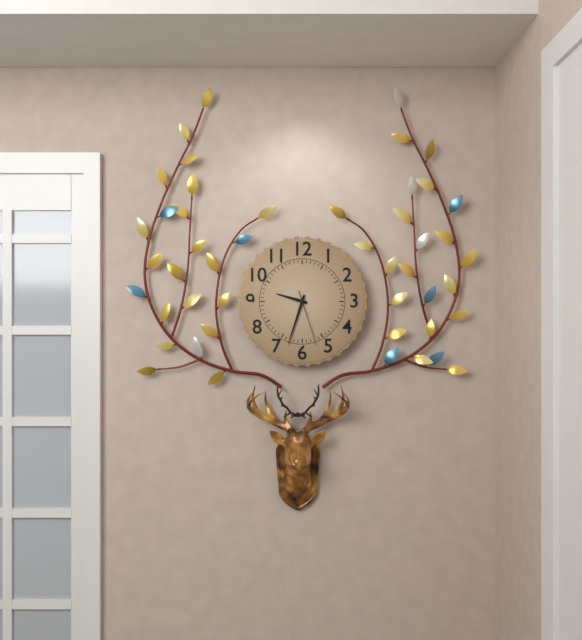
{"hour": 9, "minute": 33, "second": 27}
